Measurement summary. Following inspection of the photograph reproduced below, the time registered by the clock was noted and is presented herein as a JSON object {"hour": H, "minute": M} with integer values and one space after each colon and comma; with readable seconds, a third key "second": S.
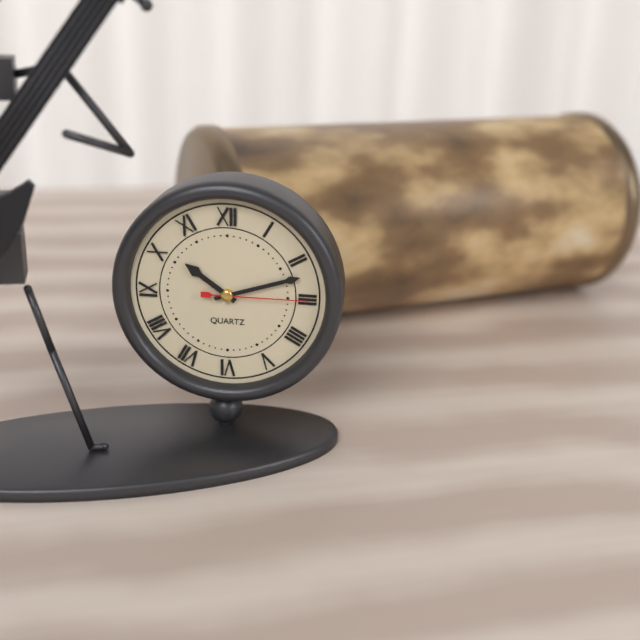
{"hour": 10, "minute": 12, "second": 15}
